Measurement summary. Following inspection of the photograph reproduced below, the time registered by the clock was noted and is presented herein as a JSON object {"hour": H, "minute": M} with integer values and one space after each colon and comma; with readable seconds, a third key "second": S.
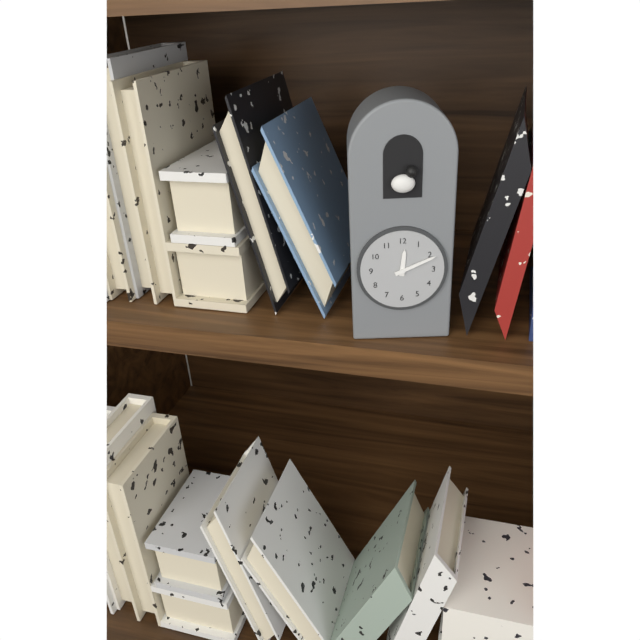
{"hour": 12, "minute": 11}
